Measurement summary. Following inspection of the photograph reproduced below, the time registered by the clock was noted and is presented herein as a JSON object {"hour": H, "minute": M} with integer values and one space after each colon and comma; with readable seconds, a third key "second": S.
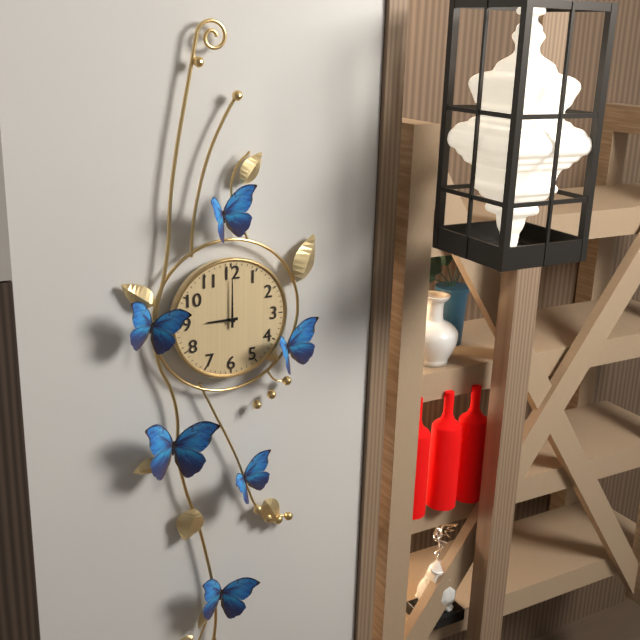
{"hour": 9, "minute": 0}
